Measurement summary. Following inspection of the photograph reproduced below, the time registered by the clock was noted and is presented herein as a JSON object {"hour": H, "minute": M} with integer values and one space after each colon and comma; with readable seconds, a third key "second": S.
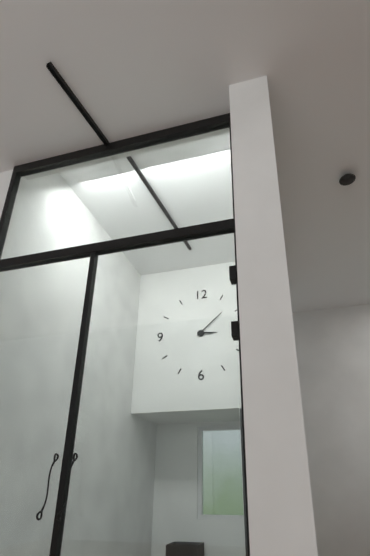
{"hour": 3, "minute": 8}
